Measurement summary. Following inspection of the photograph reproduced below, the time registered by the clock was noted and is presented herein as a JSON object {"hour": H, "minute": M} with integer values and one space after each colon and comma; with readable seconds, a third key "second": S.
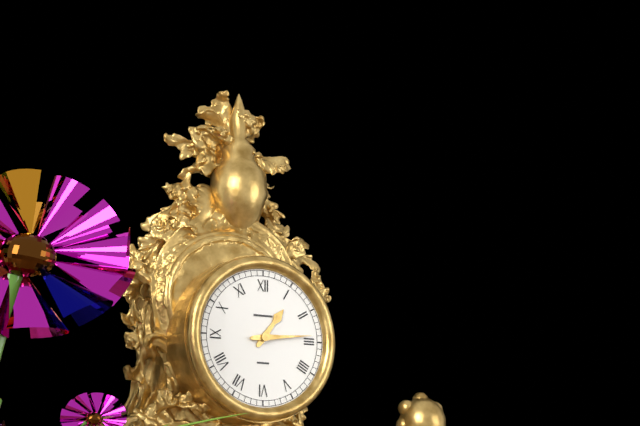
{"hour": 1, "minute": 14}
